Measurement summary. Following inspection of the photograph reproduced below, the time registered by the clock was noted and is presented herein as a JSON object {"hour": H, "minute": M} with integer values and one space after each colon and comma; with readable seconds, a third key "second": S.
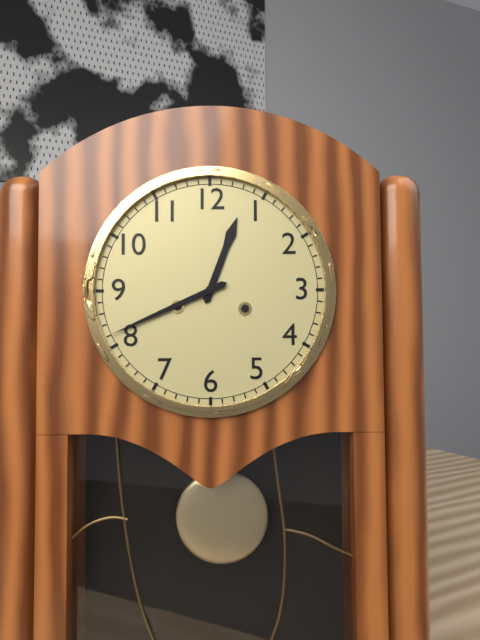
{"hour": 12, "minute": 41}
